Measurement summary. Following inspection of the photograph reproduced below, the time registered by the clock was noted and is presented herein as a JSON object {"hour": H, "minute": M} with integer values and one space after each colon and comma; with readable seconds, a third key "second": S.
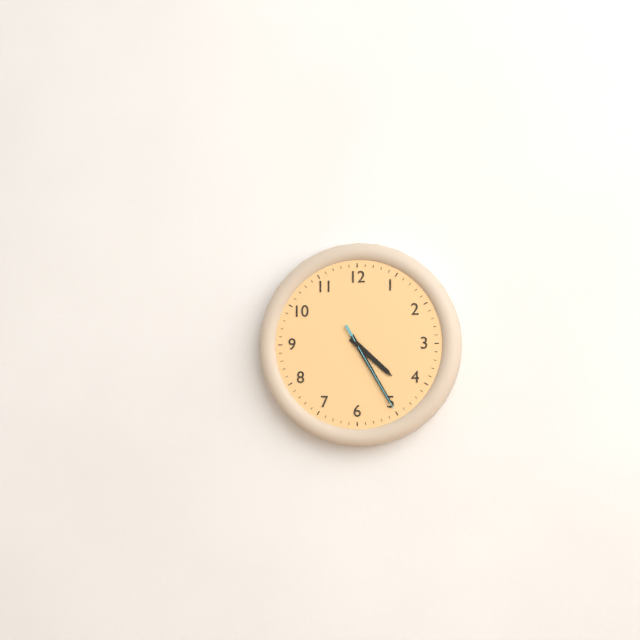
{"hour": 4, "minute": 25, "second": 25}
